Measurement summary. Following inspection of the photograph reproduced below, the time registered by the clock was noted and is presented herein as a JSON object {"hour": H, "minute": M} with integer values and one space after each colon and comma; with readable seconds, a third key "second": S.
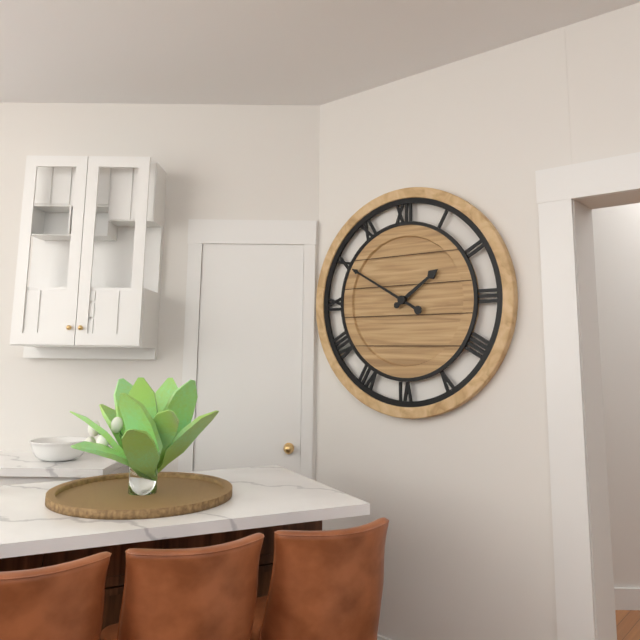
{"hour": 1, "minute": 50}
